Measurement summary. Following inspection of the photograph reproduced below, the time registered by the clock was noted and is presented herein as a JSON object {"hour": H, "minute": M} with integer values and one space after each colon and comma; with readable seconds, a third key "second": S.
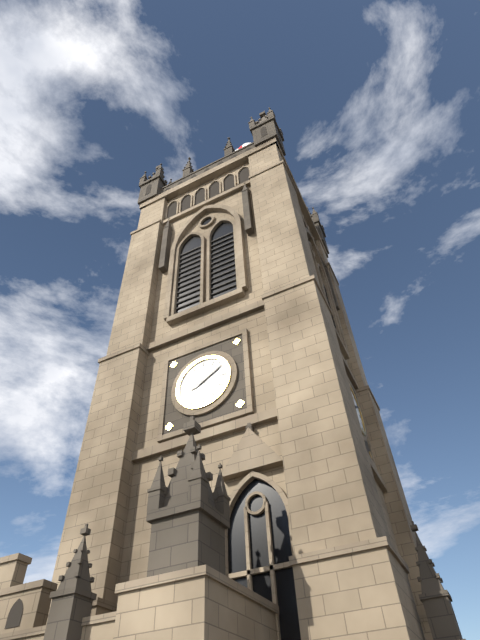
{"hour": 8, "minute": 10}
